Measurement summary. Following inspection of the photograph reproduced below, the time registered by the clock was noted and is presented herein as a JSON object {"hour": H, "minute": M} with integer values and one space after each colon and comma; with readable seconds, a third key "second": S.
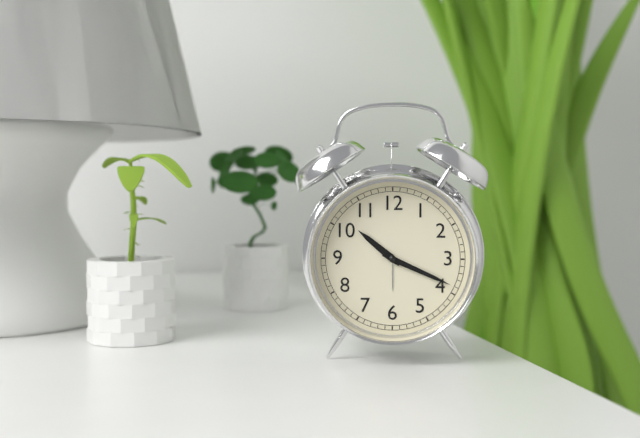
{"hour": 10, "minute": 19}
